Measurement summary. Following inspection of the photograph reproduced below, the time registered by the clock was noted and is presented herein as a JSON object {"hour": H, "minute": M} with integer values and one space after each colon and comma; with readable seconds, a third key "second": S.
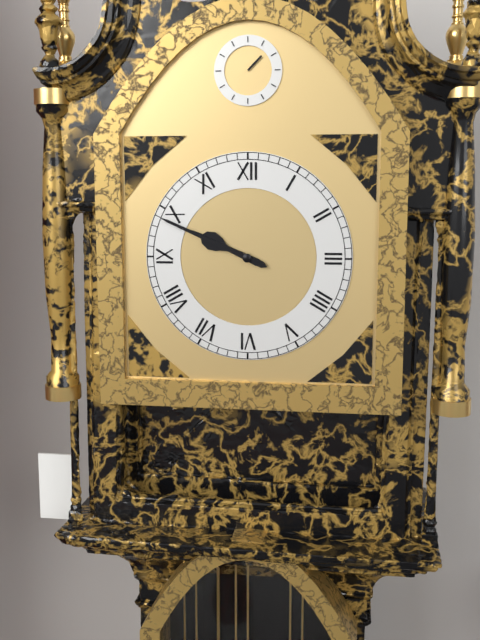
{"hour": 9, "minute": 49}
